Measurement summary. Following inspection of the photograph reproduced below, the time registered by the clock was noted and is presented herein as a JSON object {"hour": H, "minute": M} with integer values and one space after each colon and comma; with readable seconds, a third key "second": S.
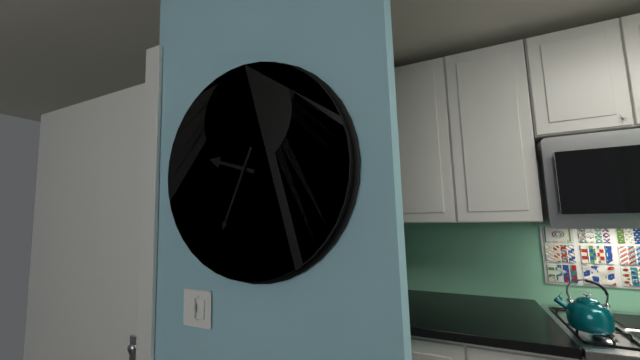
{"hour": 9, "minute": 34}
